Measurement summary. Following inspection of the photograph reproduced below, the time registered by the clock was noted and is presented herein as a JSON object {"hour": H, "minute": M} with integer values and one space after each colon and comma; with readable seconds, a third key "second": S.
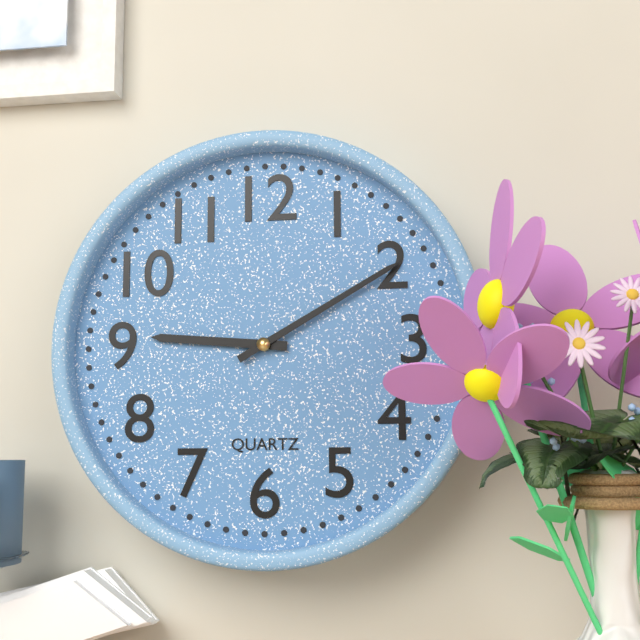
{"hour": 9, "minute": 10}
